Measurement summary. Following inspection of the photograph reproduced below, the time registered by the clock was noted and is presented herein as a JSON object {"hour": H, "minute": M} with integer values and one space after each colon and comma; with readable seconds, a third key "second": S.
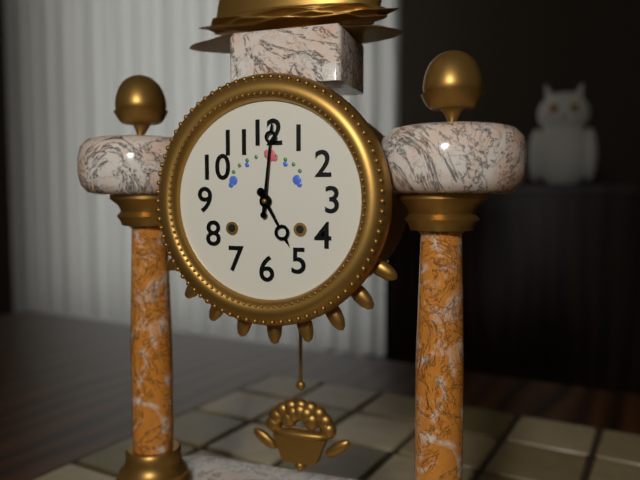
{"hour": 5, "minute": 1}
